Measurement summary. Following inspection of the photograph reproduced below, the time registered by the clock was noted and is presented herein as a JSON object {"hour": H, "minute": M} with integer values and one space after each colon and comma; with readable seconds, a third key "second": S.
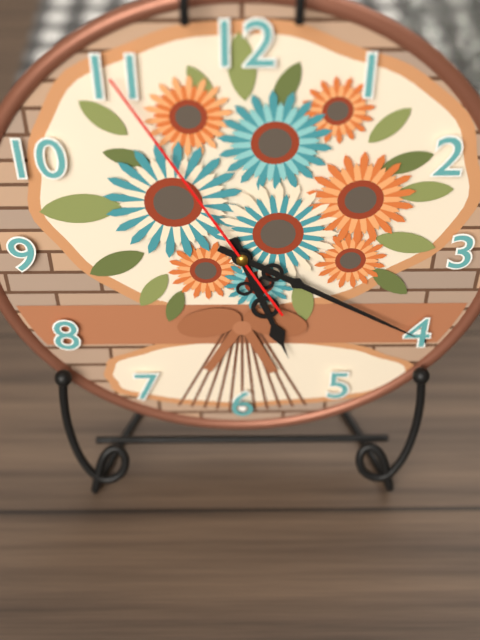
{"hour": 5, "minute": 20, "second": 55}
